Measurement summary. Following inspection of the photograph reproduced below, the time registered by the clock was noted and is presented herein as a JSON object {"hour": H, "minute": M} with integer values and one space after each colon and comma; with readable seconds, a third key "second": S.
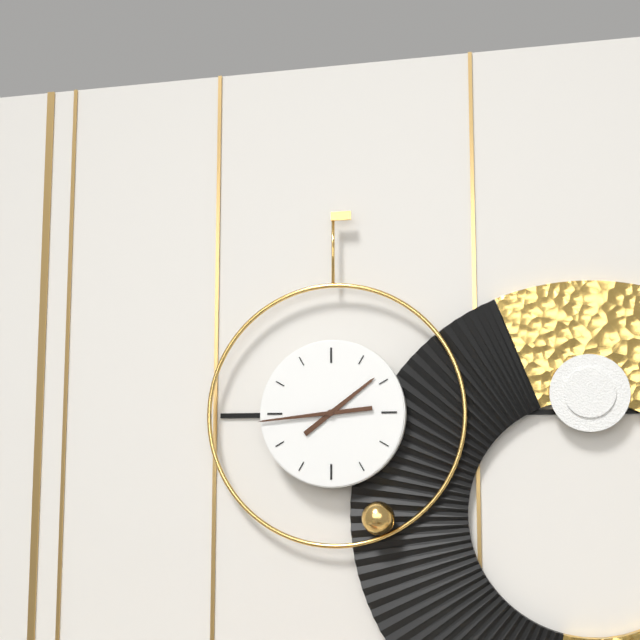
{"hour": 1, "minute": 44}
